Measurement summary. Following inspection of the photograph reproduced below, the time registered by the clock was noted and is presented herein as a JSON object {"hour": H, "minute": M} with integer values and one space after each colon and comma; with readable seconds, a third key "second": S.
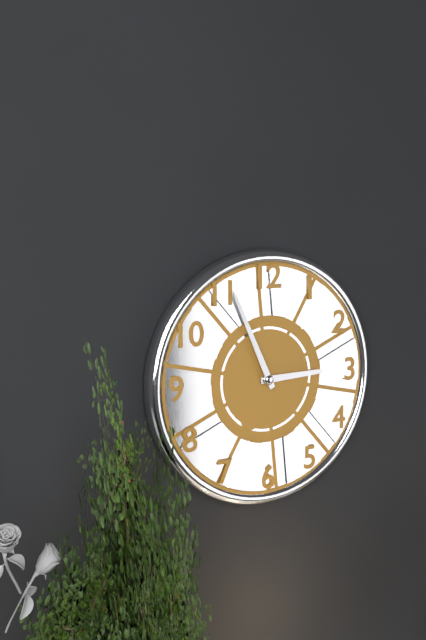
{"hour": 2, "minute": 56}
